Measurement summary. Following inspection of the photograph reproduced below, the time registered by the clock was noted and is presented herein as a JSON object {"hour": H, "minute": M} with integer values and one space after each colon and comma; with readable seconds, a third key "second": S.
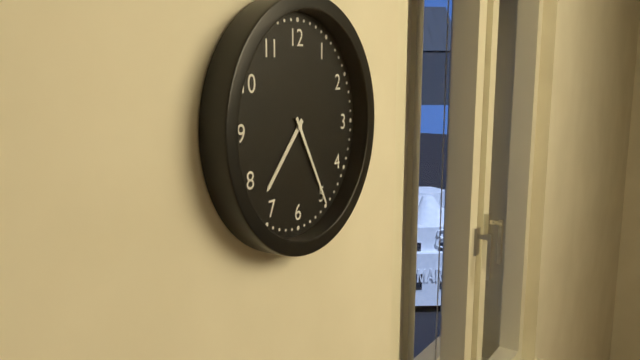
{"hour": 7, "minute": 25}
